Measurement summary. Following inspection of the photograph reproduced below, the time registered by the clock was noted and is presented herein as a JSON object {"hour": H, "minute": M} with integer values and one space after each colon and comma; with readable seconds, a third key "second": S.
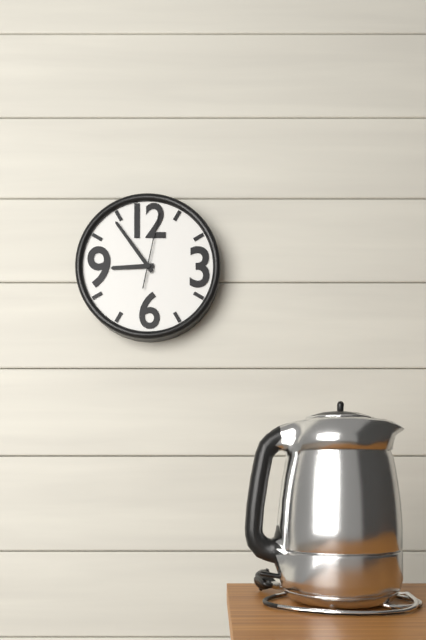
{"hour": 8, "minute": 54, "second": 2}
